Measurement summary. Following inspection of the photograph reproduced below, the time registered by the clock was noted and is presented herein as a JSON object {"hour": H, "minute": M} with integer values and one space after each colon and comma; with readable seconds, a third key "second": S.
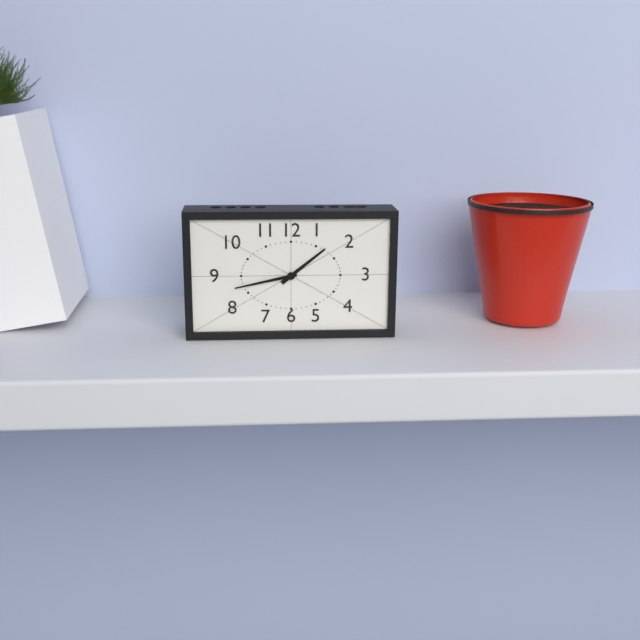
{"hour": 1, "minute": 43}
